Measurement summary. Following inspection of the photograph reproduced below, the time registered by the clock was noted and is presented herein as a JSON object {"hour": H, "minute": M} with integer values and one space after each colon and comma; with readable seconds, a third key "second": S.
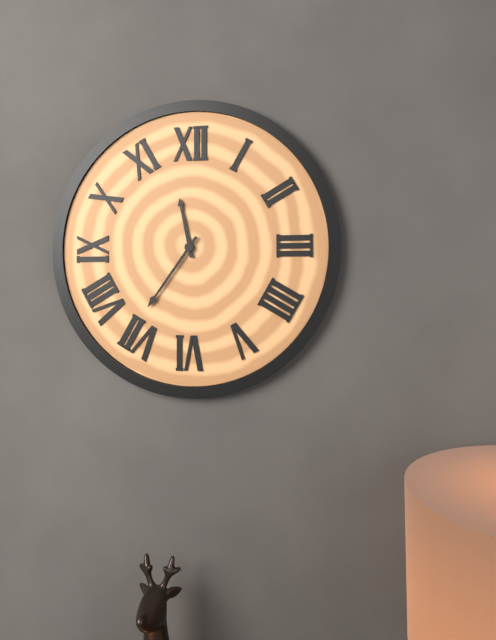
{"hour": 11, "minute": 36}
